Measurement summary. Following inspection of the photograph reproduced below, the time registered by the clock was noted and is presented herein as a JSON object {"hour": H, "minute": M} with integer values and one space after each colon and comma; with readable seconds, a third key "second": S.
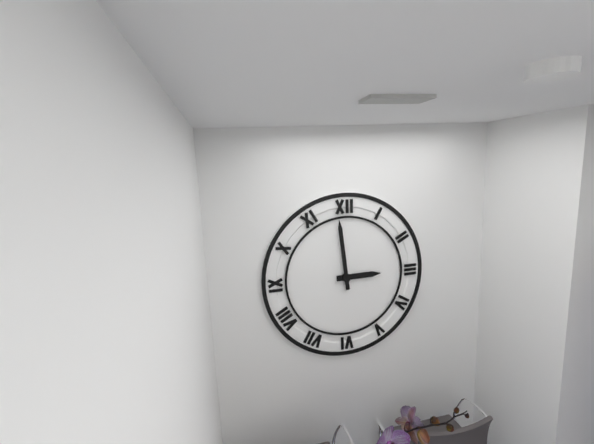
{"hour": 2, "minute": 59}
